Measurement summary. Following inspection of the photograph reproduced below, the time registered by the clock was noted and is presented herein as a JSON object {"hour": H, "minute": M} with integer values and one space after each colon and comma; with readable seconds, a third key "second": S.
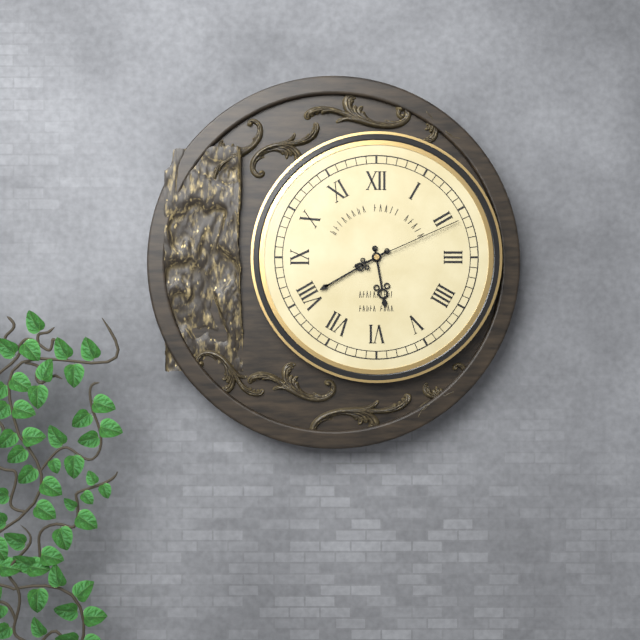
{"hour": 5, "minute": 40, "second": 11}
